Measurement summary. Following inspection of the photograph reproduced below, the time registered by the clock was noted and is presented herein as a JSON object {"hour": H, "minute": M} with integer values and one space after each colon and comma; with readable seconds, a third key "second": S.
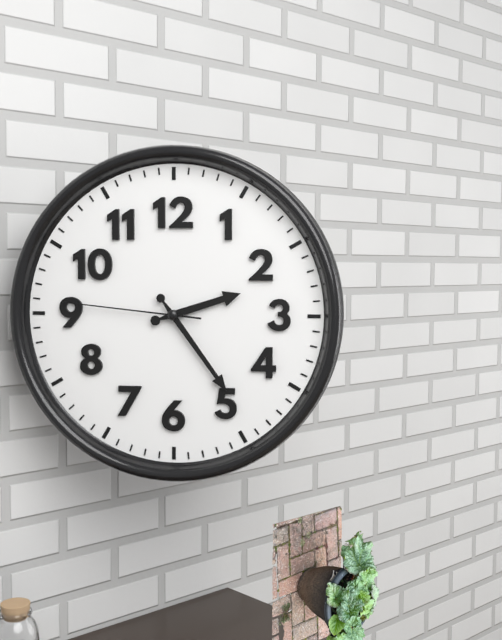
{"hour": 2, "minute": 24, "second": 46}
